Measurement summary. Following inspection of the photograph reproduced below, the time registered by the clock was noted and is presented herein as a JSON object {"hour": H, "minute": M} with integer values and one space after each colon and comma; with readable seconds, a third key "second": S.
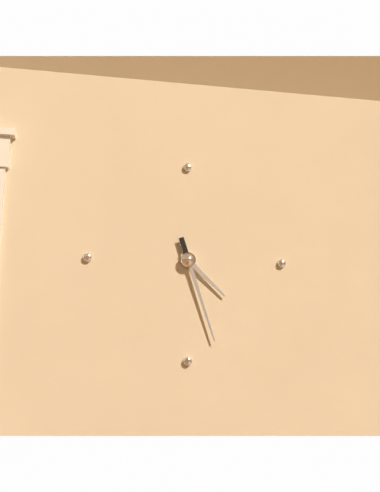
{"hour": 4, "minute": 27}
